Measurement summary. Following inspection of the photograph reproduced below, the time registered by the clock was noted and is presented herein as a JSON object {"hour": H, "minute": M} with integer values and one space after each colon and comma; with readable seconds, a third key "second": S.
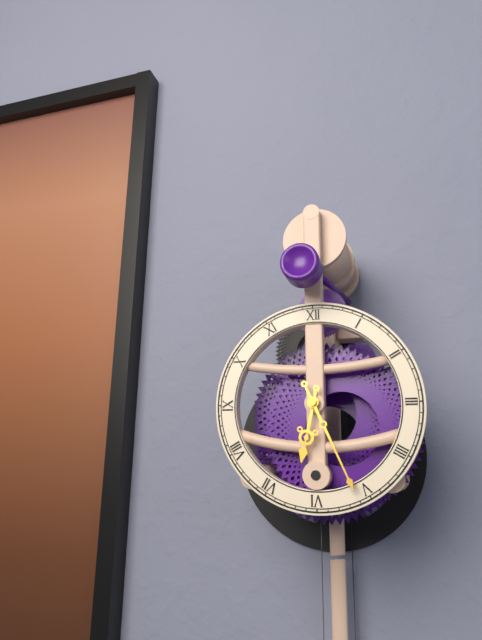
{"hour": 6, "minute": 26}
